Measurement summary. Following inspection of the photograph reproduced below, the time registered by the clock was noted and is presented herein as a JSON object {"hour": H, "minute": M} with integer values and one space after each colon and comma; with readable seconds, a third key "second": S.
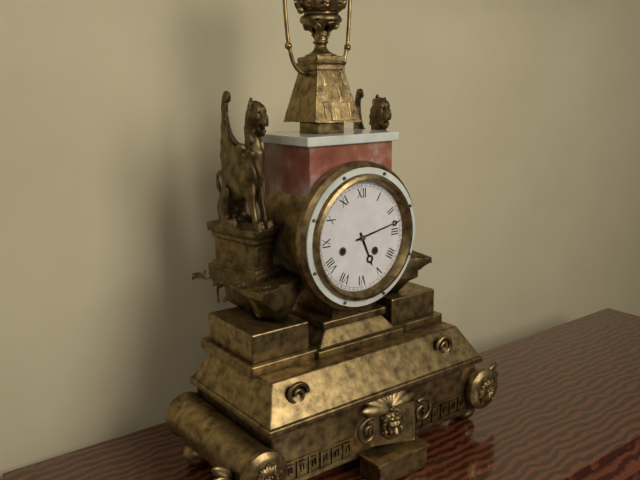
{"hour": 5, "minute": 13}
